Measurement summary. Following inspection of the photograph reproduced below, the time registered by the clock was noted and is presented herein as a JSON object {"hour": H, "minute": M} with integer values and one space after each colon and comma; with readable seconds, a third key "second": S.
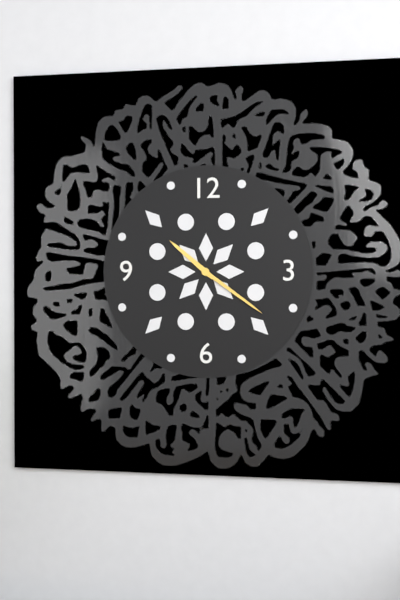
{"hour": 10, "minute": 21}
